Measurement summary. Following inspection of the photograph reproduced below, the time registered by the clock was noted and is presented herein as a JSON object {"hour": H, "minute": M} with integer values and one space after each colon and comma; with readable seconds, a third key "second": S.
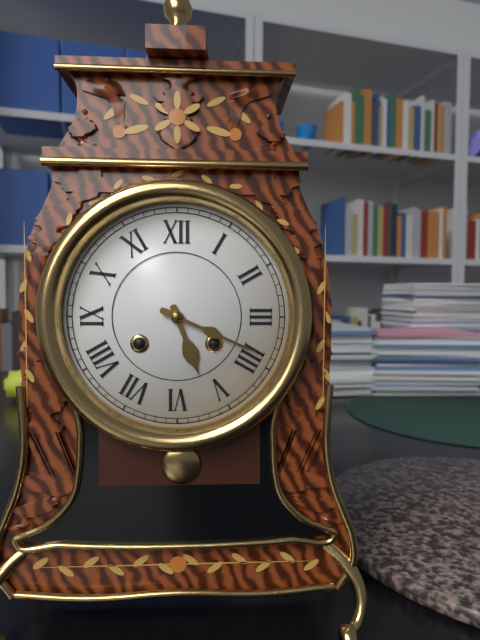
{"hour": 5, "minute": 19}
